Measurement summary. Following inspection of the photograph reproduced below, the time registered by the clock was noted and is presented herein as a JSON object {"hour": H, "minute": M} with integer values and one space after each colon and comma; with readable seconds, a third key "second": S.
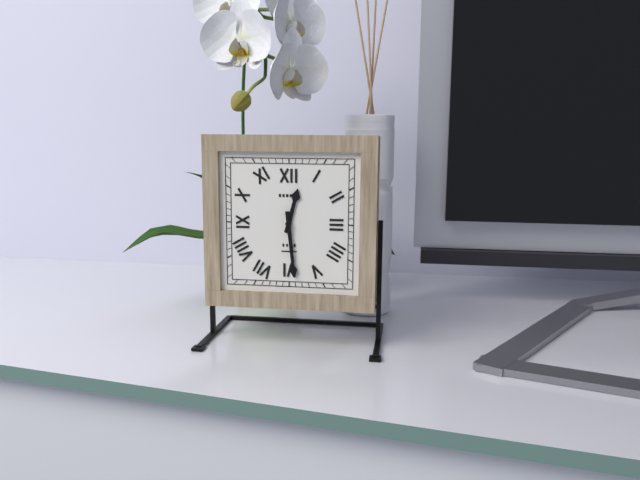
{"hour": 12, "minute": 29}
